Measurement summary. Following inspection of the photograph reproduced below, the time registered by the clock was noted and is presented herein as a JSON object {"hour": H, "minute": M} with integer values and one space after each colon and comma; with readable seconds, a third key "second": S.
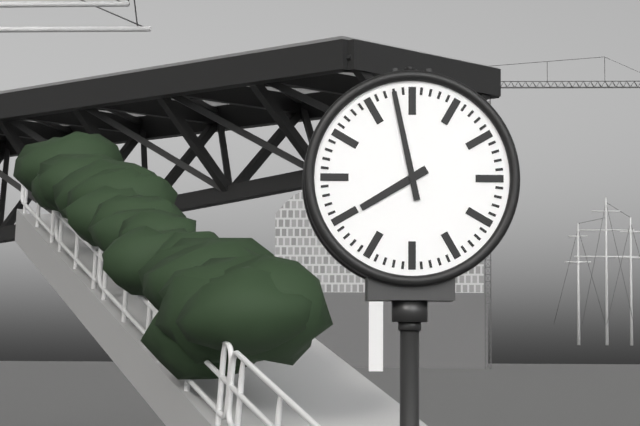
{"hour": 7, "minute": 58}
